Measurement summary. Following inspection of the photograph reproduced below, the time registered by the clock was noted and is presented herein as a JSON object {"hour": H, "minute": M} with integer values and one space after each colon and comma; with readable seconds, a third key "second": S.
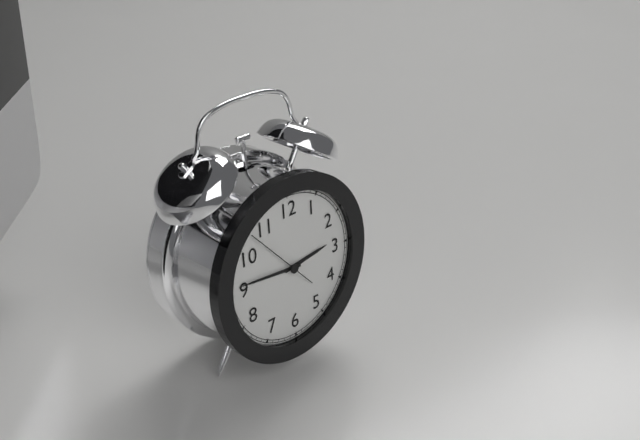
{"hour": 2, "minute": 46, "second": 53}
